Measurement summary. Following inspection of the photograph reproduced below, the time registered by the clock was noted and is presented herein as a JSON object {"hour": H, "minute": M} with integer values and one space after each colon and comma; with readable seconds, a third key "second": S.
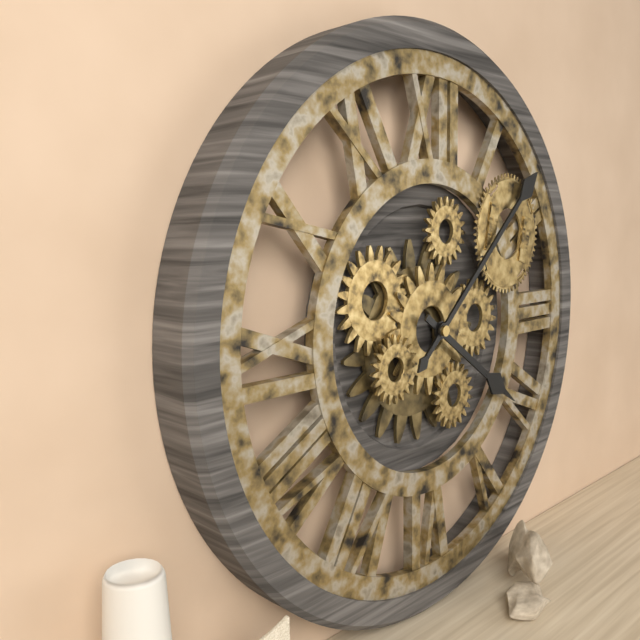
{"hour": 4, "minute": 8}
